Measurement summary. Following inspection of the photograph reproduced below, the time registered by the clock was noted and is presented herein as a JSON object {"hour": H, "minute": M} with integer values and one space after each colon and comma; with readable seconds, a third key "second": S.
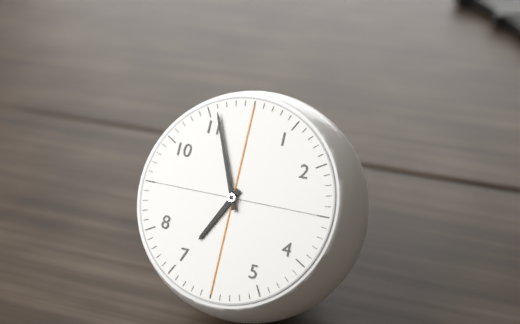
{"hour": 6, "minute": 56}
